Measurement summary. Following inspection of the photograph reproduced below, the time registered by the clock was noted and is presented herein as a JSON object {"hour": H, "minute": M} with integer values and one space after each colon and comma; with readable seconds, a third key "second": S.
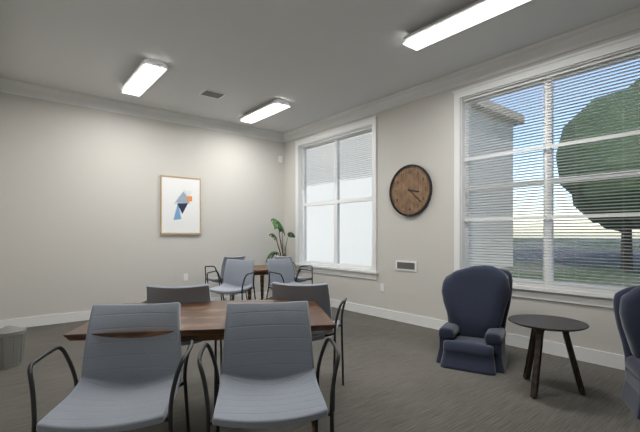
{"hour": 3, "minute": 22}
